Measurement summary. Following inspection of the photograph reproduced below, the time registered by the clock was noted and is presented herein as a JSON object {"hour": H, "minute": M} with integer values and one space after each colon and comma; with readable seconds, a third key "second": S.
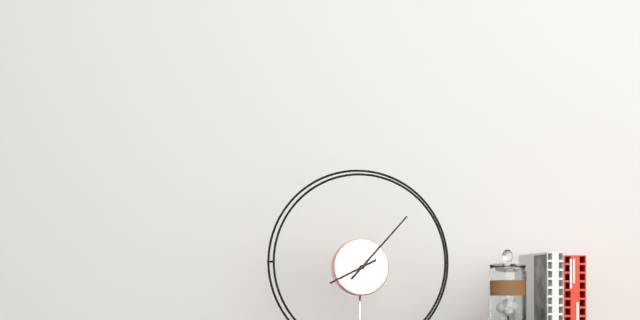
{"hour": 8, "minute": 7}
